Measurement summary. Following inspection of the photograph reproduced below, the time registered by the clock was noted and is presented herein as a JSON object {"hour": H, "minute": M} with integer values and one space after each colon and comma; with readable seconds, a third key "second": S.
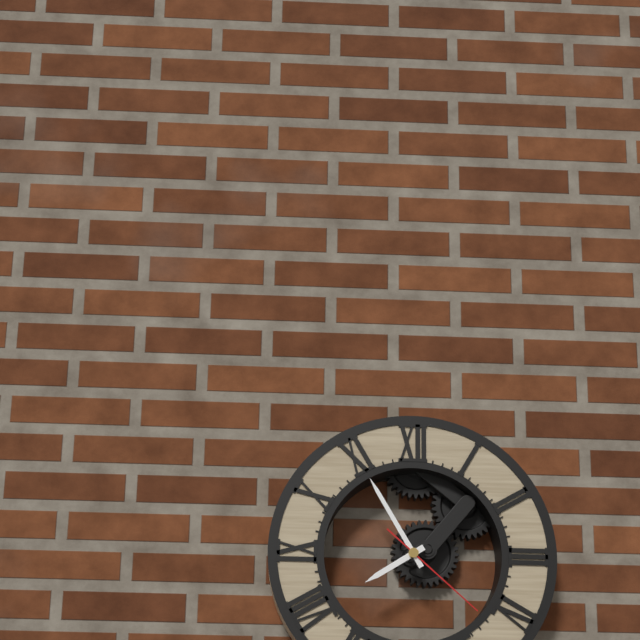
{"hour": 7, "minute": 55, "second": 22}
